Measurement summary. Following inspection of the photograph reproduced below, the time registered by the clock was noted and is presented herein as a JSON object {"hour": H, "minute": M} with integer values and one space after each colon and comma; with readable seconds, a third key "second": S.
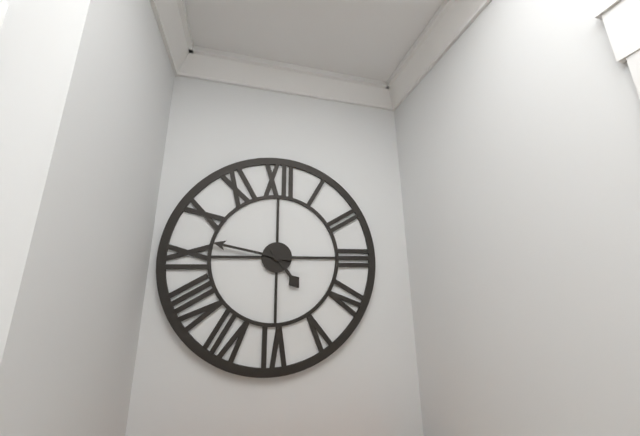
{"hour": 4, "minute": 47}
